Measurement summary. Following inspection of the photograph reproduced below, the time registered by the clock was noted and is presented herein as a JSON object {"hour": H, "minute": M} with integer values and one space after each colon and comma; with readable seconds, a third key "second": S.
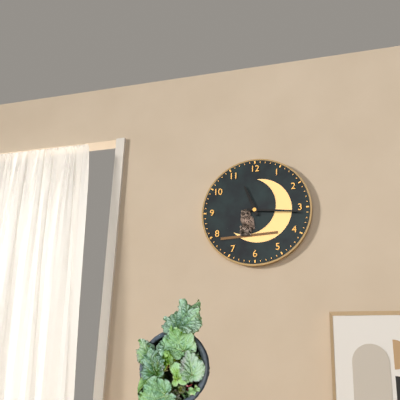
{"hour": 11, "minute": 16}
